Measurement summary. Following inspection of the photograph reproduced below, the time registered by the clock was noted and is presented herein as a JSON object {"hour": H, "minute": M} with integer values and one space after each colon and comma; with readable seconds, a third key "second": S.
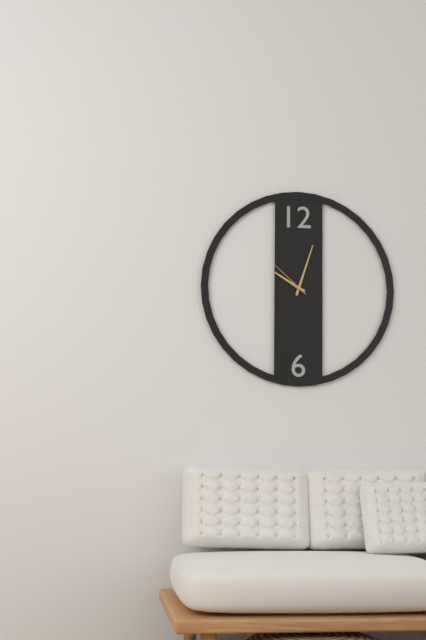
{"hour": 10, "minute": 3}
